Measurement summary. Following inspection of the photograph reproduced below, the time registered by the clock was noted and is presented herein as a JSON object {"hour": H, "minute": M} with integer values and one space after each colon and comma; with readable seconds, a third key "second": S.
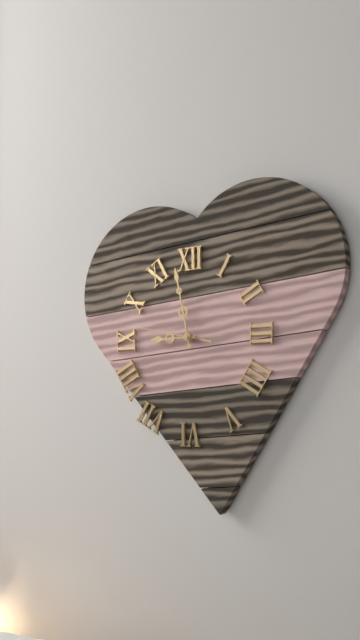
{"hour": 8, "minute": 58, "second": 47}
